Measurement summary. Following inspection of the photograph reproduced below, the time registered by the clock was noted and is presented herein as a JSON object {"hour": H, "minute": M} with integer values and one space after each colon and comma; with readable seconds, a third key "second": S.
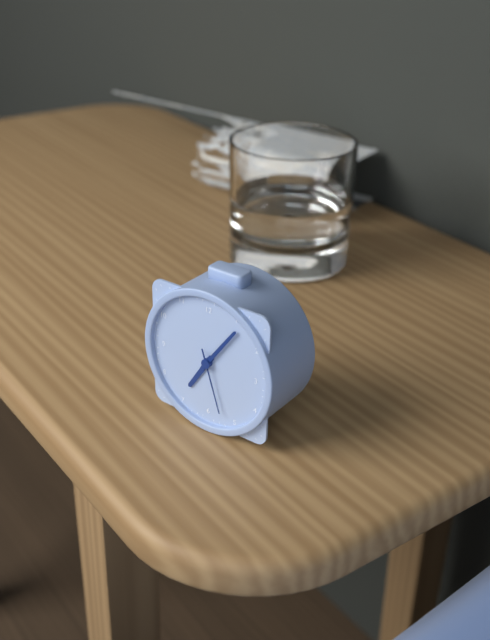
{"hour": 7, "minute": 6, "second": 27}
